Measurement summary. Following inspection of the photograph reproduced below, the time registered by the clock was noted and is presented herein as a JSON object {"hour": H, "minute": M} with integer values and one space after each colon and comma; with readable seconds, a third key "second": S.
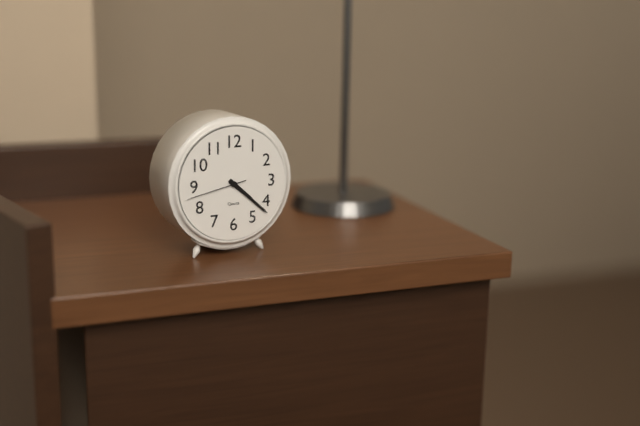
{"hour": 4, "minute": 22, "second": 43}
